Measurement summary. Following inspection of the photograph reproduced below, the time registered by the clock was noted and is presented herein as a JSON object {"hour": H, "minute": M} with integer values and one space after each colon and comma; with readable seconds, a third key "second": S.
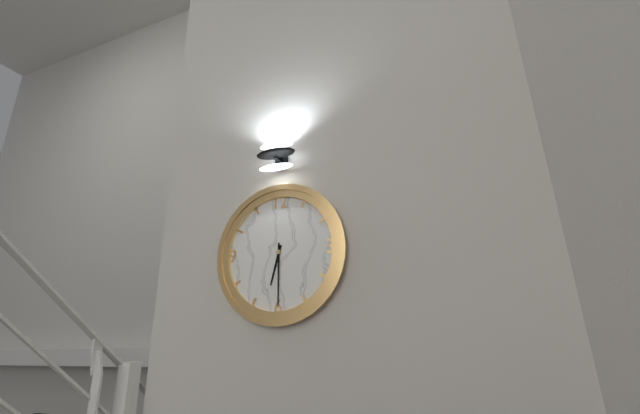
{"hour": 6, "minute": 30}
